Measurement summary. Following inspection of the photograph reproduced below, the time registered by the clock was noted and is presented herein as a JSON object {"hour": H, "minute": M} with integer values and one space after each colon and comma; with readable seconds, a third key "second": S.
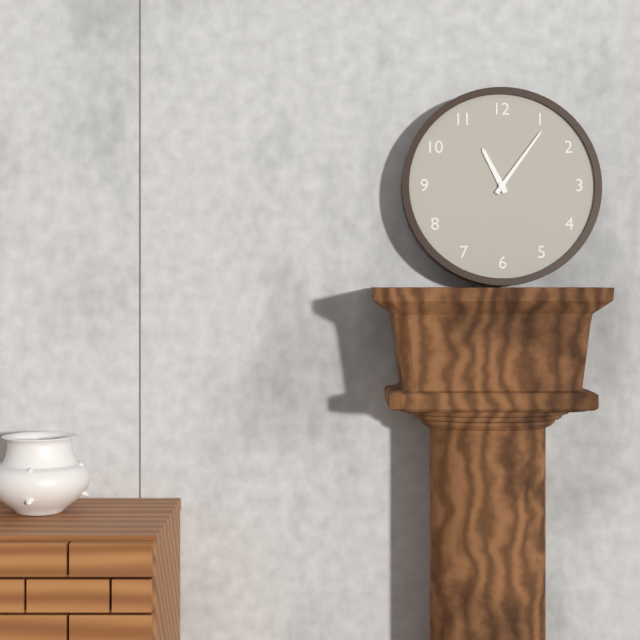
{"hour": 11, "minute": 6}
